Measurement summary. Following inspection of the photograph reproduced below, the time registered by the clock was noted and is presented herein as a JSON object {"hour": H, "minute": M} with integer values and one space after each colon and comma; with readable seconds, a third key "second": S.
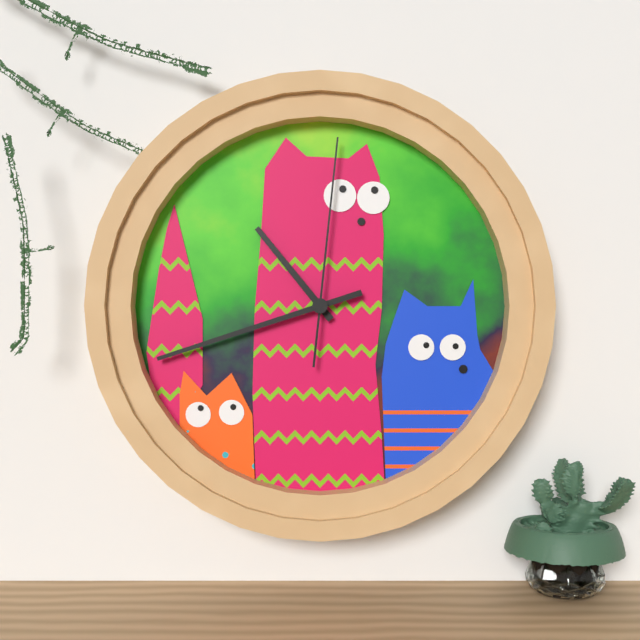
{"hour": 10, "minute": 42, "second": 1}
